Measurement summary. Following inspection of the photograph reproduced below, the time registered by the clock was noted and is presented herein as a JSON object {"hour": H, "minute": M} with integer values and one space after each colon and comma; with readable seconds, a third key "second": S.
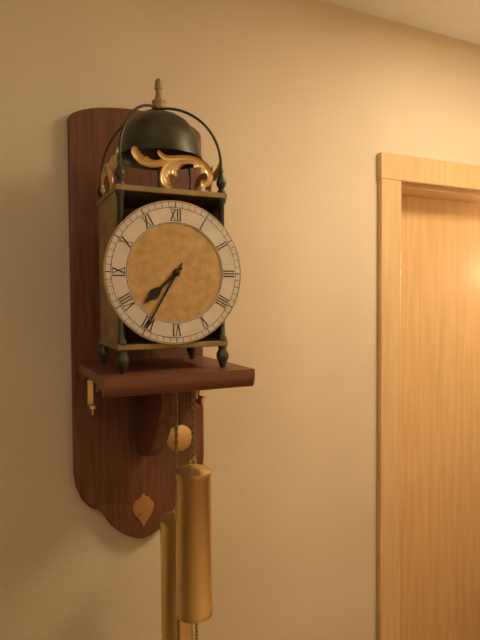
{"hour": 7, "minute": 35}
